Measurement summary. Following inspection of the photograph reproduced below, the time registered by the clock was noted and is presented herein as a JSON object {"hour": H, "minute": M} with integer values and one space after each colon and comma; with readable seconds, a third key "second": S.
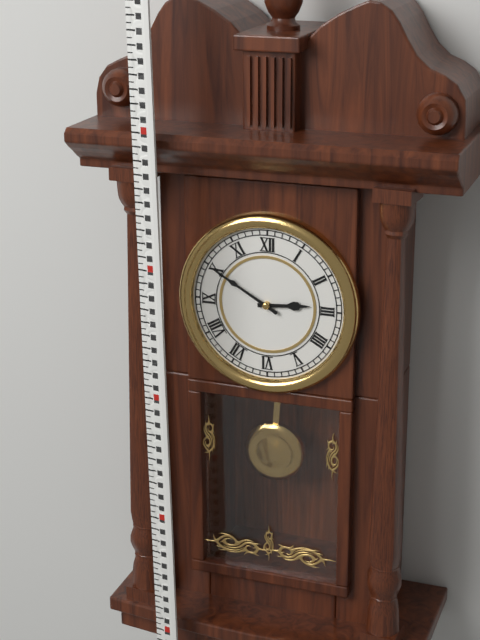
{"hour": 2, "minute": 50}
